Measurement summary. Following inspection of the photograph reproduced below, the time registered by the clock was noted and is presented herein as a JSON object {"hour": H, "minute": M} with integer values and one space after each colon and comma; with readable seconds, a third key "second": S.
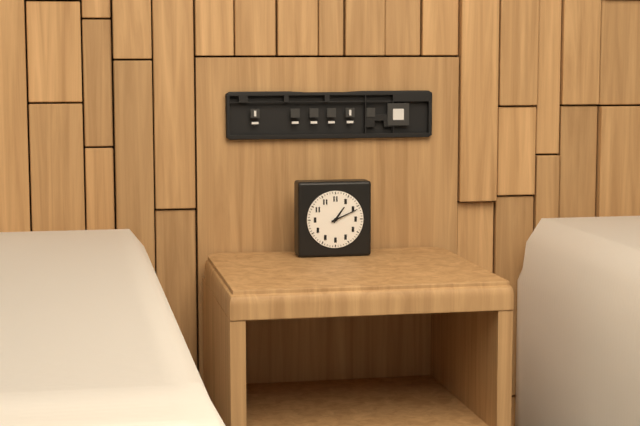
{"hour": 1, "minute": 11}
